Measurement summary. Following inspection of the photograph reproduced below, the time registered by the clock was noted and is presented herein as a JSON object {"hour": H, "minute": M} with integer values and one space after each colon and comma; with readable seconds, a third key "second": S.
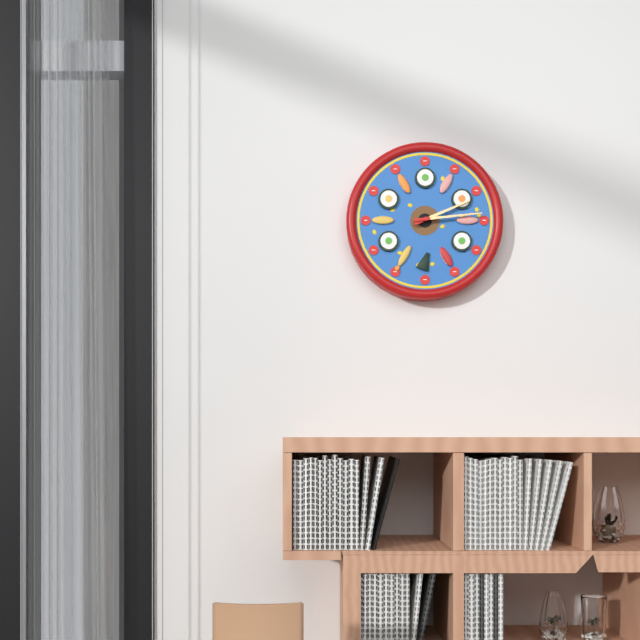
{"hour": 2, "minute": 14}
